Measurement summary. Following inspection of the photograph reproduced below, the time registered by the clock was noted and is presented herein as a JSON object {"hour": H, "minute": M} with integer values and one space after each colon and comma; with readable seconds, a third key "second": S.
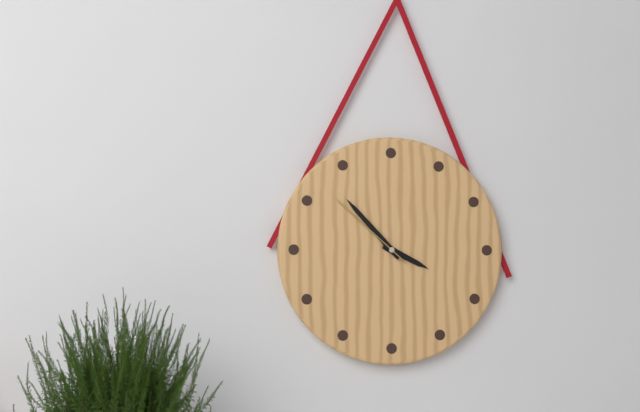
{"hour": 3, "minute": 53, "second": 52}
